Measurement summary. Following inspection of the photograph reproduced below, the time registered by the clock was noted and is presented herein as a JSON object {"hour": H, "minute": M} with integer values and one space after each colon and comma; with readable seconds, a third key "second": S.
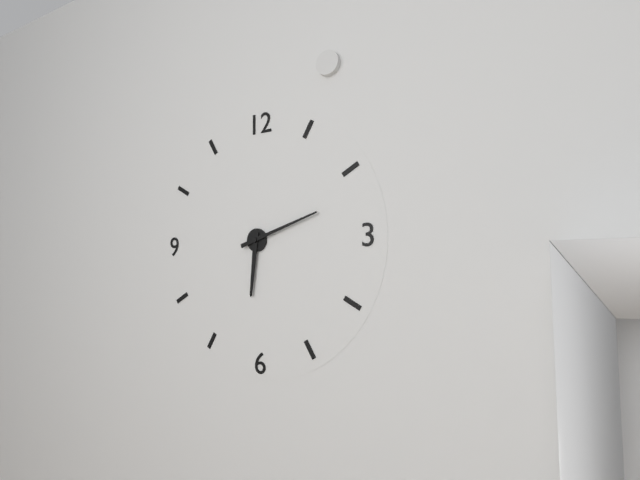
{"hour": 6, "minute": 12}
